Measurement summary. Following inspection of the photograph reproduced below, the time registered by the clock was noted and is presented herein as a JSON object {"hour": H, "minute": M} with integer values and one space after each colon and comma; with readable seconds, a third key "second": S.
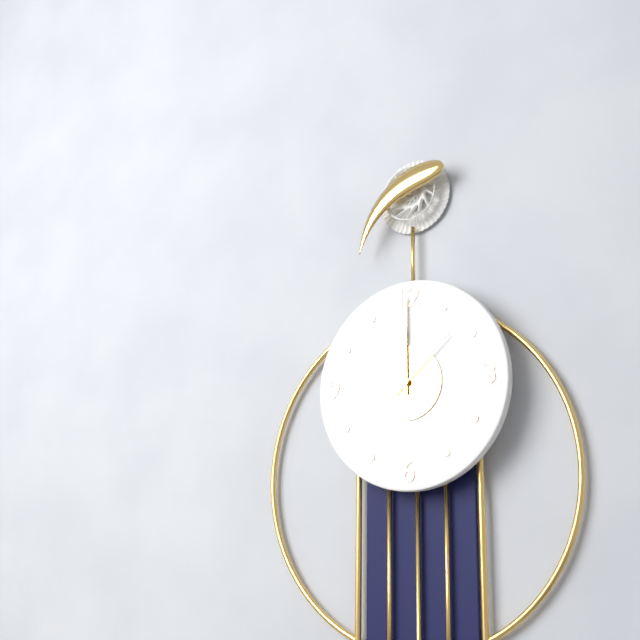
{"hour": 12, "minute": 0, "second": 8}
